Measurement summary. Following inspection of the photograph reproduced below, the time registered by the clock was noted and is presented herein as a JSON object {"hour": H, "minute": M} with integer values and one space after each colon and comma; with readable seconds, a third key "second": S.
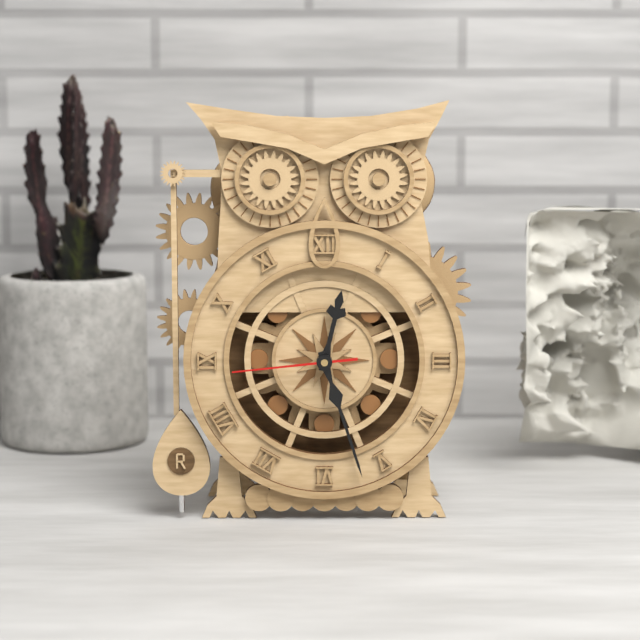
{"hour": 12, "minute": 27, "second": 44}
